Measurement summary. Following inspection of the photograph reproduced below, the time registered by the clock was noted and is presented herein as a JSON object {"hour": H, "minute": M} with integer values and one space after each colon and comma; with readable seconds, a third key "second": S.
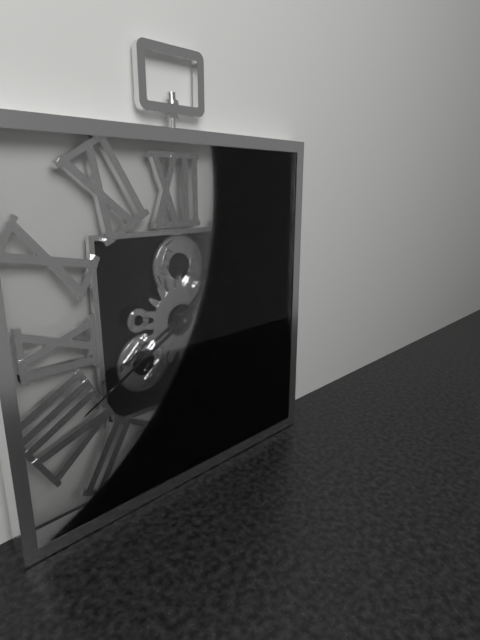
{"hour": 1, "minute": 40}
